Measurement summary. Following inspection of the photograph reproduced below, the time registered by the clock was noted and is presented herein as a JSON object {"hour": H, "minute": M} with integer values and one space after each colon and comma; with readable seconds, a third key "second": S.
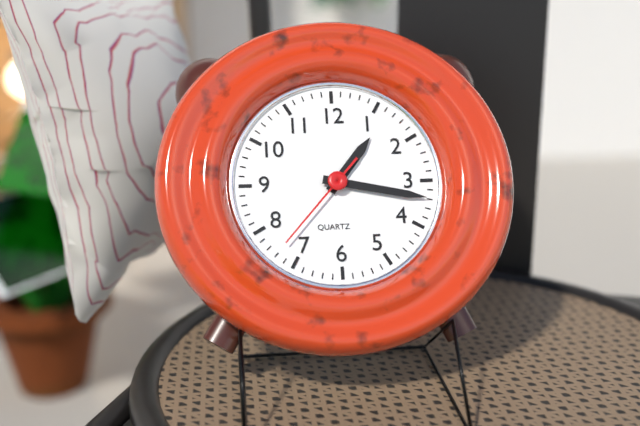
{"hour": 1, "minute": 17, "second": 37}
